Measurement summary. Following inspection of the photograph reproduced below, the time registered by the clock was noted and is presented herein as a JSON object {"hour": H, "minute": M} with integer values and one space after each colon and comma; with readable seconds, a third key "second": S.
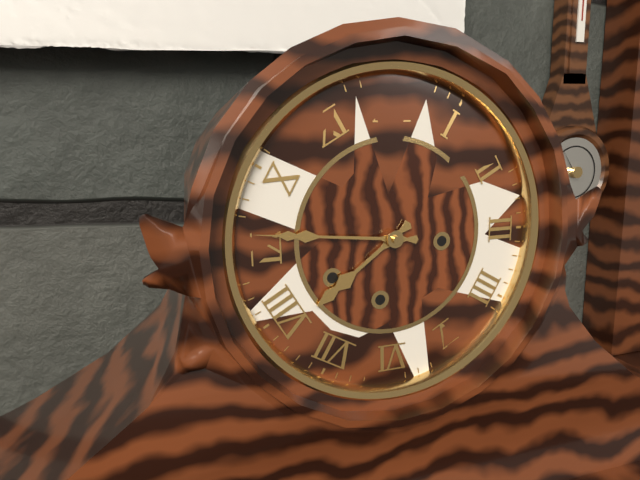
{"hour": 7, "minute": 46}
